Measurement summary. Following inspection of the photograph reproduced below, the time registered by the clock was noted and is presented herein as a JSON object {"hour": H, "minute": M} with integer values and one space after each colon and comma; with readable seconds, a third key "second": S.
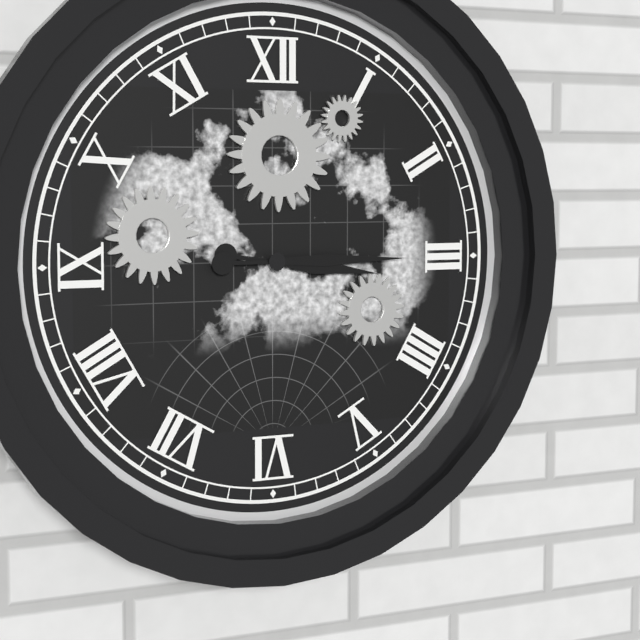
{"hour": 3, "minute": 15}
